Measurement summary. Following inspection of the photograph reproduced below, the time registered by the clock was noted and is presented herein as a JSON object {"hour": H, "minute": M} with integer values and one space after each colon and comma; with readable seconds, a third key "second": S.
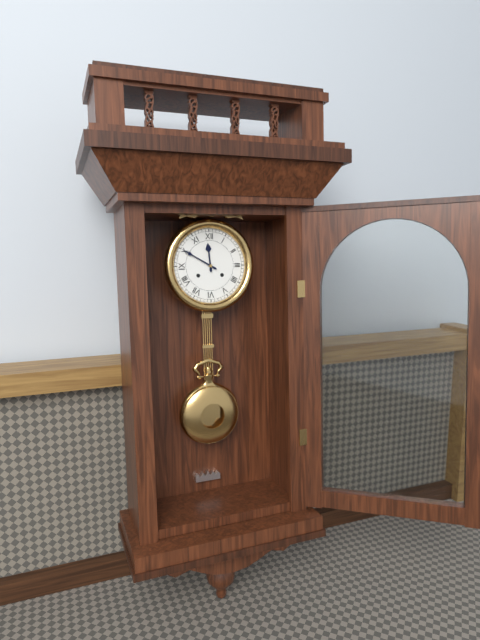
{"hour": 11, "minute": 50}
